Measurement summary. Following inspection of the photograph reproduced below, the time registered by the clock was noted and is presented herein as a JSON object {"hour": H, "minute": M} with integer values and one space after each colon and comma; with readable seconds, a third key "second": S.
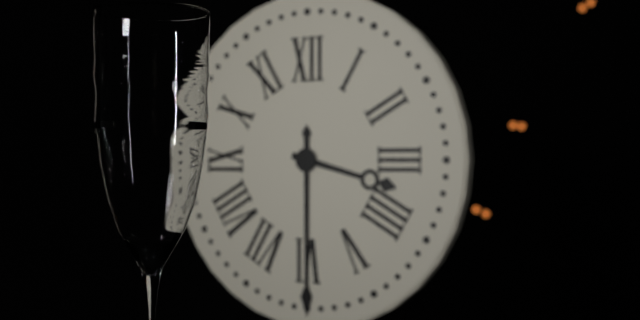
{"hour": 3, "minute": 30}
